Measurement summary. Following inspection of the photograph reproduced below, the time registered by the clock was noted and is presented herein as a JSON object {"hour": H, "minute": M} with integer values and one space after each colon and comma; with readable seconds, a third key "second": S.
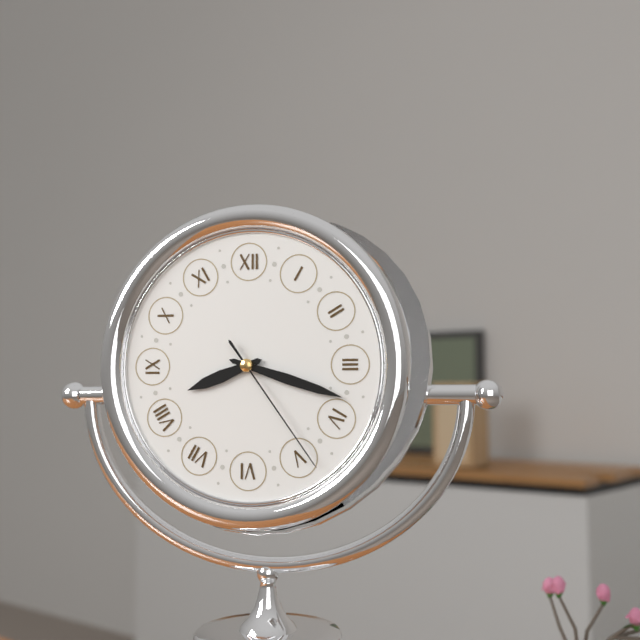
{"hour": 8, "minute": 18, "second": 24}
